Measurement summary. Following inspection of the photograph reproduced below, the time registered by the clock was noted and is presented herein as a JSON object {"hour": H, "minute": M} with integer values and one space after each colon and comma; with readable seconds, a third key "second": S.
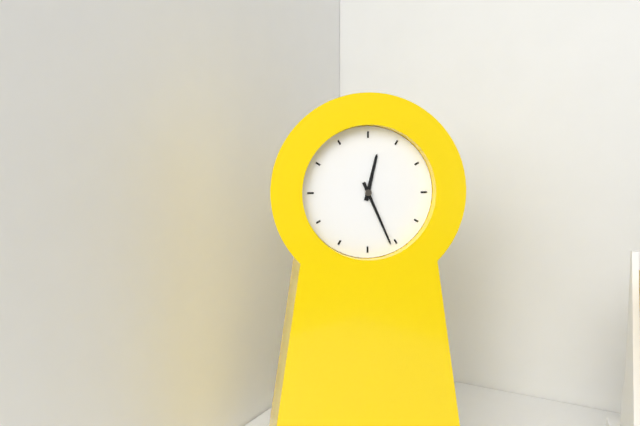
{"hour": 12, "minute": 26}
